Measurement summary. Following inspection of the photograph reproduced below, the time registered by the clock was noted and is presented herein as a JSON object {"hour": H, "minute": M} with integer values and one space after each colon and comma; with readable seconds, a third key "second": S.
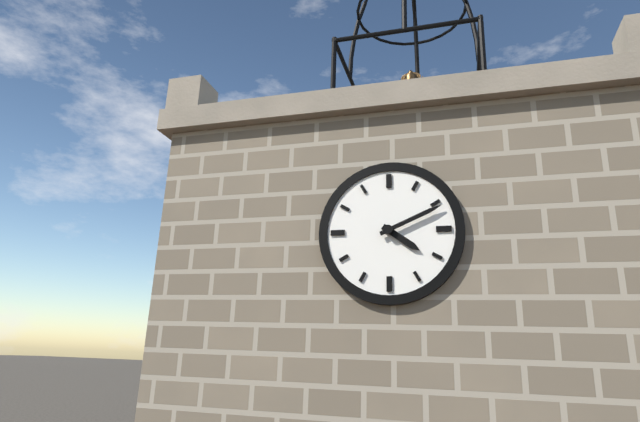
{"hour": 4, "minute": 11}
